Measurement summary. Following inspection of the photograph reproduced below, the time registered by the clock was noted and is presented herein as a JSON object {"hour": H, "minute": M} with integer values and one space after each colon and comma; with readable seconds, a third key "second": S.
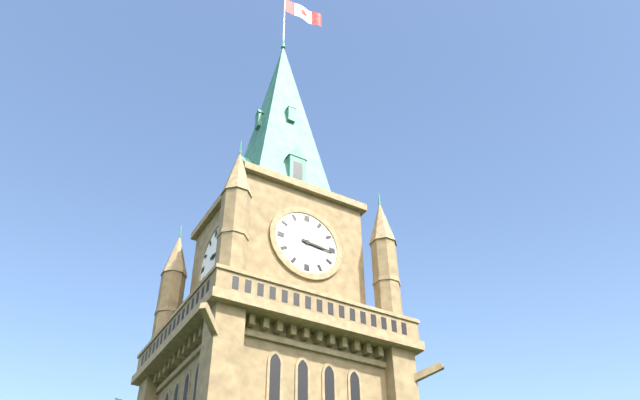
{"hour": 3, "minute": 16}
